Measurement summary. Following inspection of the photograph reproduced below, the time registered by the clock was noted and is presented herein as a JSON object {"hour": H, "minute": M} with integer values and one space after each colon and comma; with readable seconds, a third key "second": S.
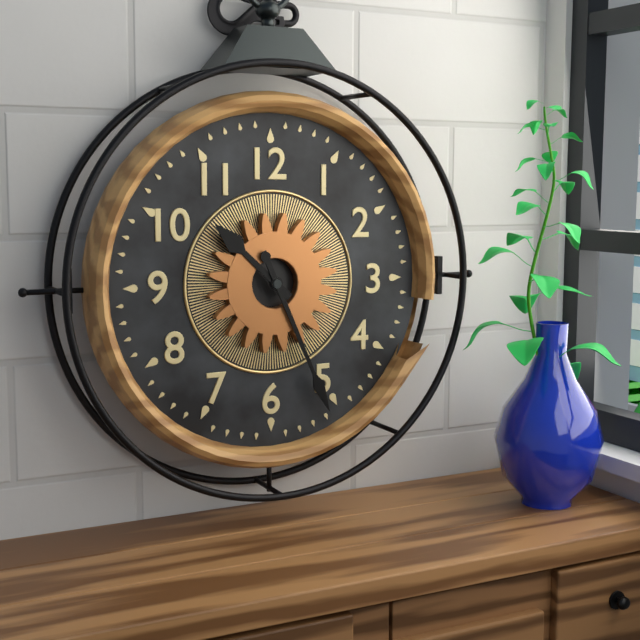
{"hour": 10, "minute": 26}
